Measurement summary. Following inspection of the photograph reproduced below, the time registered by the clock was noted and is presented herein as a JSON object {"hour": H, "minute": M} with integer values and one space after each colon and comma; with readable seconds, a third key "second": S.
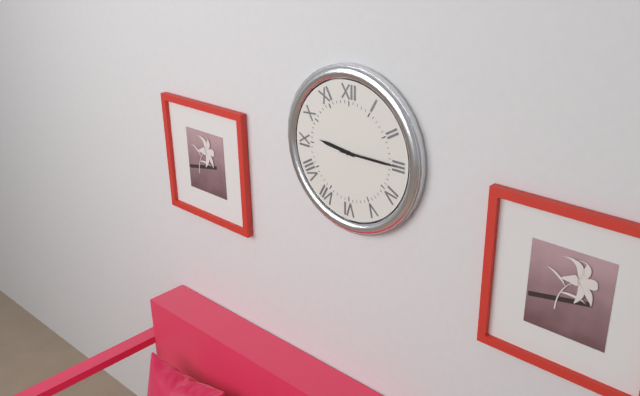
{"hour": 9, "minute": 15}
